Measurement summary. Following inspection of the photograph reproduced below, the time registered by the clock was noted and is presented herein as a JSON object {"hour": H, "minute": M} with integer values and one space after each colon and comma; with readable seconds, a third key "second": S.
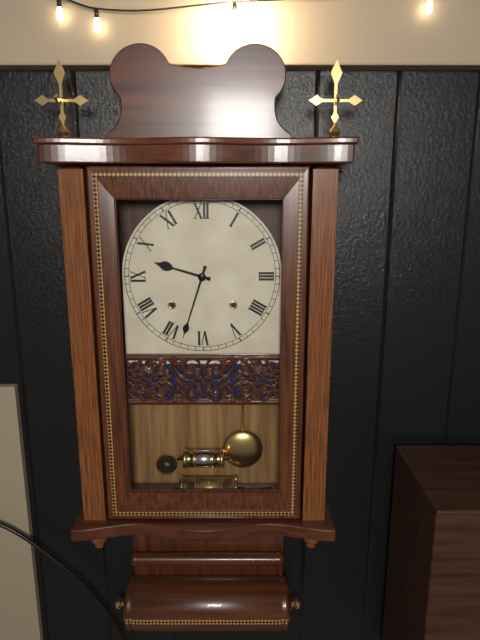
{"hour": 9, "minute": 33}
